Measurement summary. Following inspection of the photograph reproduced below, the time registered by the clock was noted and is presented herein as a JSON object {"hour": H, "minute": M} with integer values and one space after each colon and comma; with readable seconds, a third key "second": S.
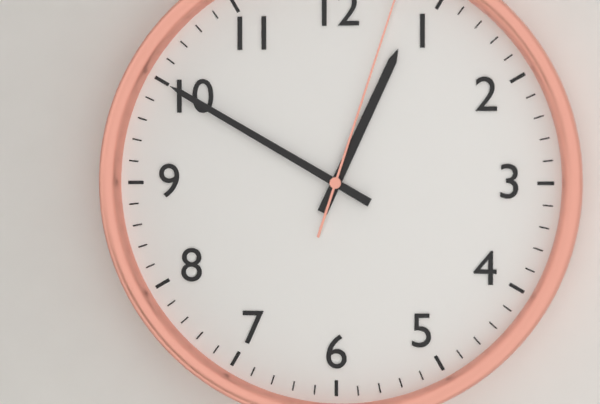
{"hour": 12, "minute": 50}
